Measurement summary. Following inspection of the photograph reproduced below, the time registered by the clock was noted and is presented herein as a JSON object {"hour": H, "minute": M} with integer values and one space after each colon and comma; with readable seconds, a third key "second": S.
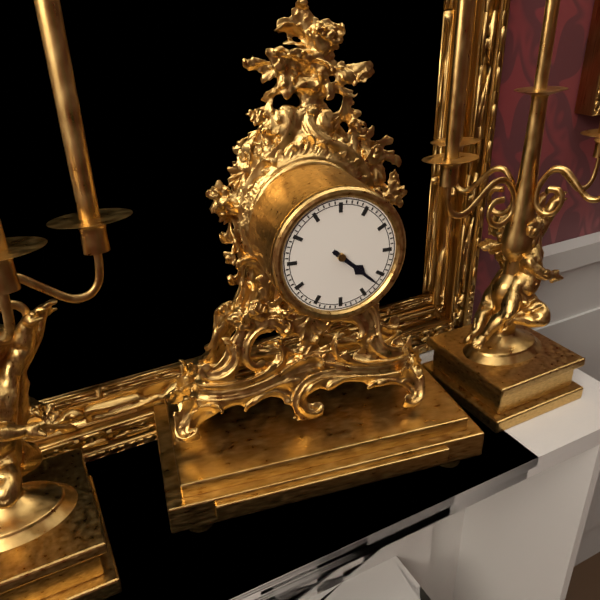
{"hour": 4, "minute": 22}
